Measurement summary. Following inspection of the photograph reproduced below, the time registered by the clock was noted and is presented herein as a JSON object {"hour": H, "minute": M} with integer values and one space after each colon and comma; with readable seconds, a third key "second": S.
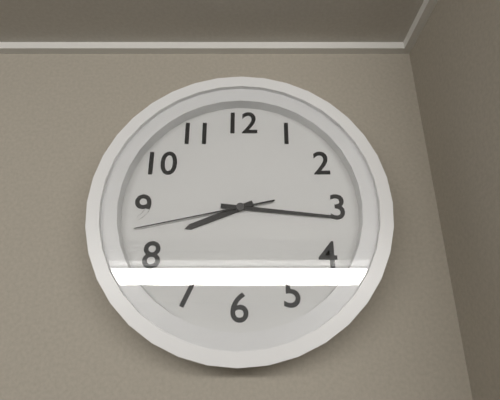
{"hour": 8, "minute": 16, "second": 43}
